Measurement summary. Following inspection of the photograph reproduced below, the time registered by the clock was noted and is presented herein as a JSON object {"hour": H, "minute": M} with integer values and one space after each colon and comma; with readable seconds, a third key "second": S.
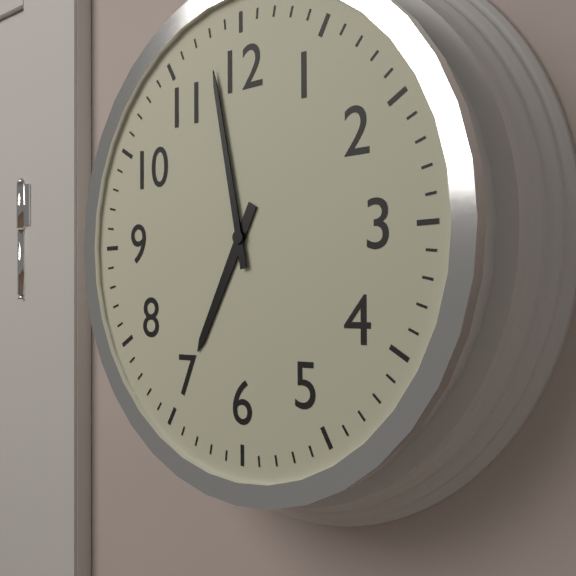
{"hour": 6, "minute": 58}
